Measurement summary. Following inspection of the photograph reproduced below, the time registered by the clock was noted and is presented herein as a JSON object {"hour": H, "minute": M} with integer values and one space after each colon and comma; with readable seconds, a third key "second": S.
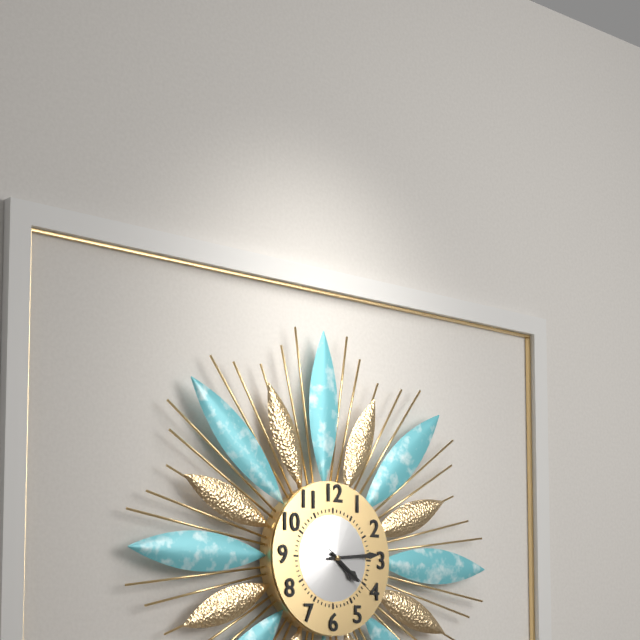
{"hour": 4, "minute": 14, "second": 21}
